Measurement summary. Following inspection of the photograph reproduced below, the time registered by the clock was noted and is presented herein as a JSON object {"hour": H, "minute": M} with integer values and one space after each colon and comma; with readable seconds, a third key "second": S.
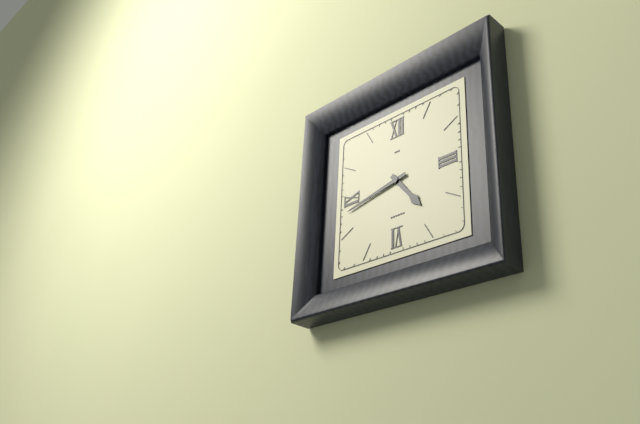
{"hour": 4, "minute": 43}
